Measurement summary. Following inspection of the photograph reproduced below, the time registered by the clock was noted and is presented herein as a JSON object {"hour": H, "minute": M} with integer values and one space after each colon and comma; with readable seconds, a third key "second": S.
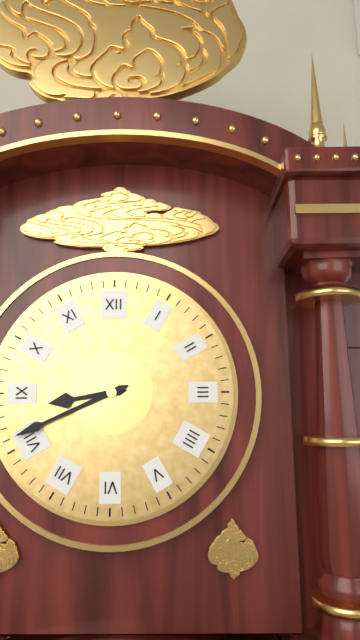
{"hour": 8, "minute": 41}
